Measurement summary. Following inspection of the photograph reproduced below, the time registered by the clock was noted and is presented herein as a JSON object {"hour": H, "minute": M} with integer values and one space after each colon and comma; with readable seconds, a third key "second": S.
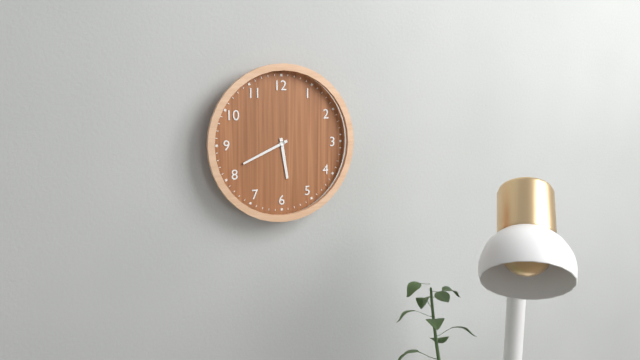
{"hour": 5, "minute": 41}
